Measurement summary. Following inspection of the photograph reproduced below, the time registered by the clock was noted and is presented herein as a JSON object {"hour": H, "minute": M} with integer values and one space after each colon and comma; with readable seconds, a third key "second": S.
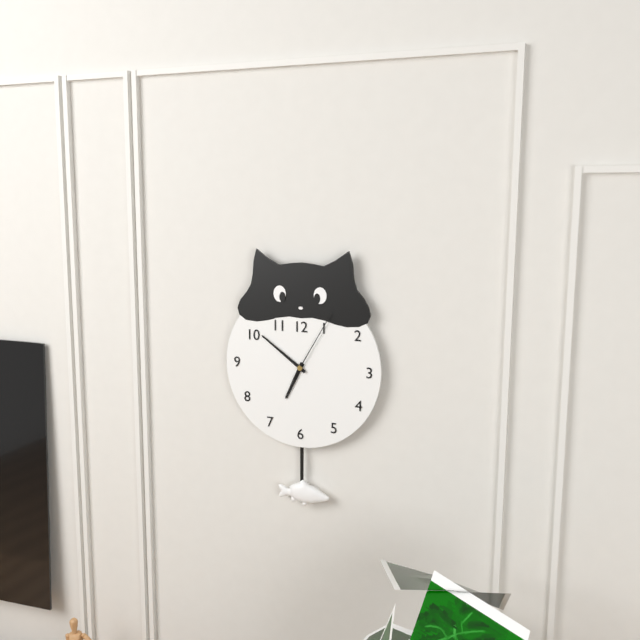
{"hour": 6, "minute": 51, "second": 5}
